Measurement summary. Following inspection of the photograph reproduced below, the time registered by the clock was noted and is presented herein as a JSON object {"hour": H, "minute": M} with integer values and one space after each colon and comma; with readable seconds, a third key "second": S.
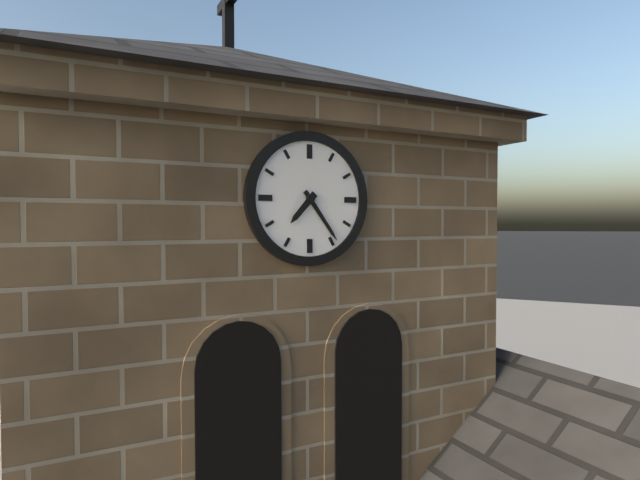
{"hour": 7, "minute": 24}
